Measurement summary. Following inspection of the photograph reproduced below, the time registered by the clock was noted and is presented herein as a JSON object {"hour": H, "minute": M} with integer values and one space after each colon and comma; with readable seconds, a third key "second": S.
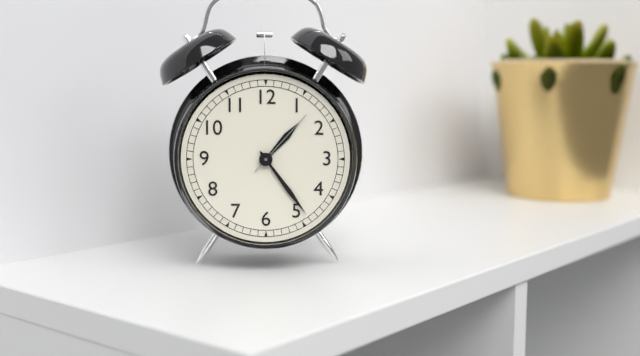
{"hour": 1, "minute": 24, "second": 7}
